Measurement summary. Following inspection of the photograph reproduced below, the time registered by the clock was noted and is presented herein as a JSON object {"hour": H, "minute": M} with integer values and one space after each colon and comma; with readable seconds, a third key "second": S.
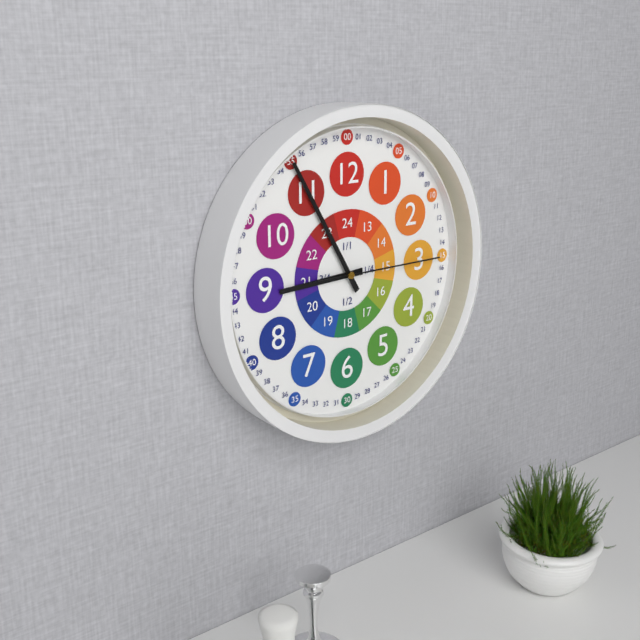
{"hour": 8, "minute": 55, "second": 15}
